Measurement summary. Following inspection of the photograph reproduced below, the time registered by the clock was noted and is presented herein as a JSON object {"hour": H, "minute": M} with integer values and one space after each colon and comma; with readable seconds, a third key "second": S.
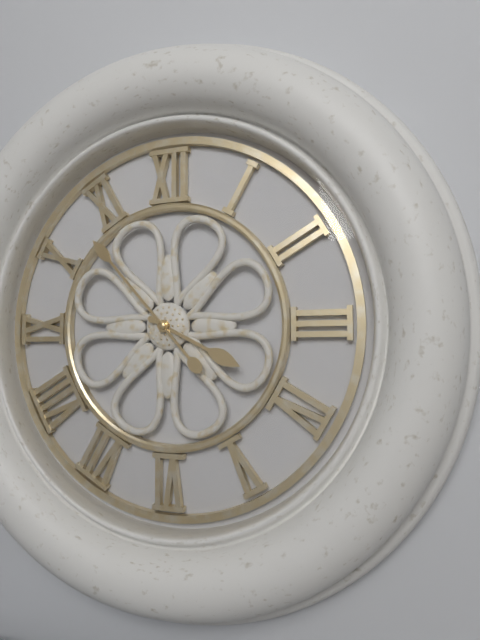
{"hour": 3, "minute": 53}
